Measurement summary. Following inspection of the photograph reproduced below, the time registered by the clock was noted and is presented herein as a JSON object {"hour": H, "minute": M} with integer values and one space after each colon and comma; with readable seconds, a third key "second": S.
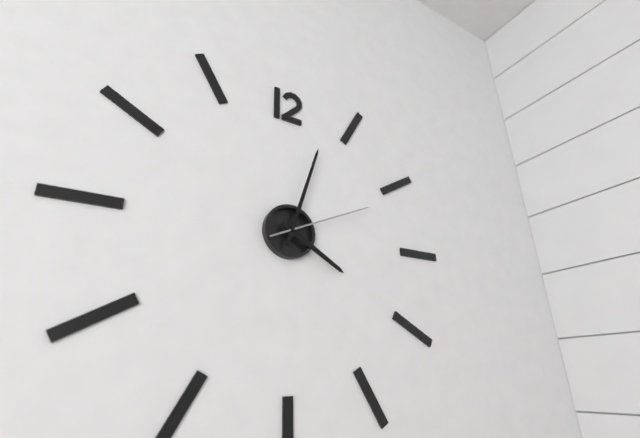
{"hour": 4, "minute": 3, "second": 11}
